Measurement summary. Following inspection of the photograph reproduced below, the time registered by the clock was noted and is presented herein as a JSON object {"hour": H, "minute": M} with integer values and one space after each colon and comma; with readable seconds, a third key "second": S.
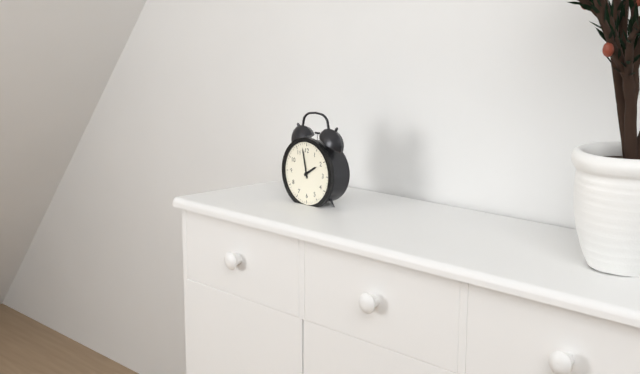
{"hour": 1, "minute": 58}
